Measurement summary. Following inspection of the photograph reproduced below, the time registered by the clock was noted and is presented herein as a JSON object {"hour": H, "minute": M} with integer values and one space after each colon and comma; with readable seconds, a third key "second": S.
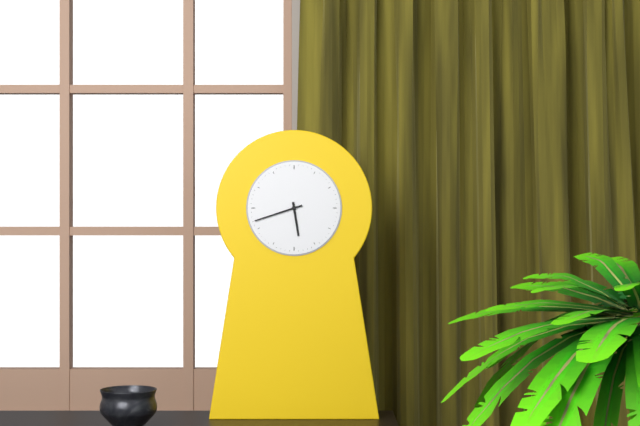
{"hour": 5, "minute": 42}
